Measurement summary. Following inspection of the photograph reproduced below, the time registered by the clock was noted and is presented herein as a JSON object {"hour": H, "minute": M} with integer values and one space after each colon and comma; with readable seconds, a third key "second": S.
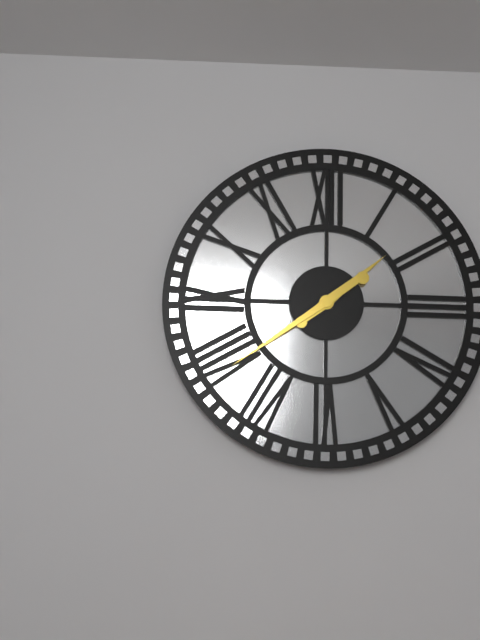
{"hour": 1, "minute": 39}
